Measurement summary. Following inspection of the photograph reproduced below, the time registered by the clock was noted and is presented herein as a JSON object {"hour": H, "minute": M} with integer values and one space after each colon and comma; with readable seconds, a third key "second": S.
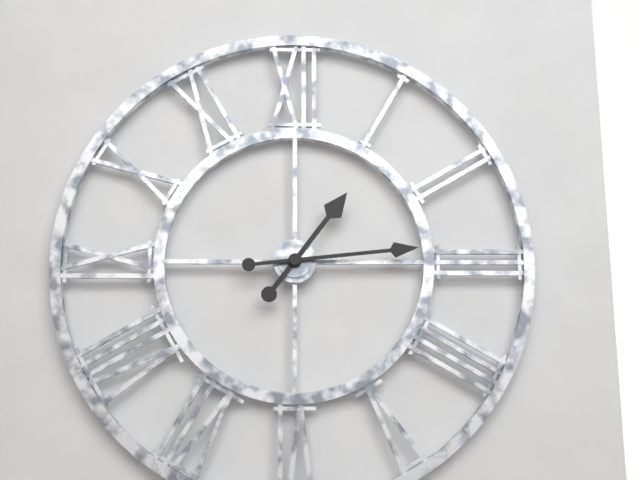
{"hour": 1, "minute": 14}
